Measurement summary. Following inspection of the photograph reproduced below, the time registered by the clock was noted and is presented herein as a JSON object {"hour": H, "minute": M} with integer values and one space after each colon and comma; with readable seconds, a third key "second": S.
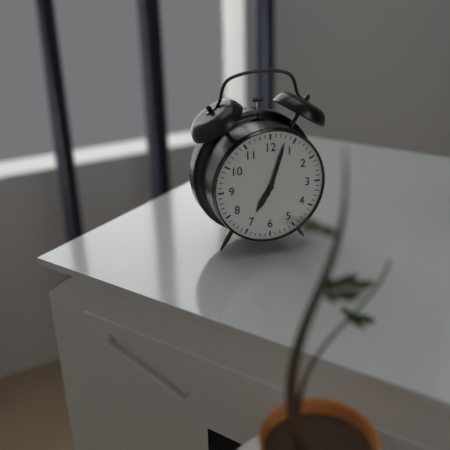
{"hour": 7, "minute": 3}
